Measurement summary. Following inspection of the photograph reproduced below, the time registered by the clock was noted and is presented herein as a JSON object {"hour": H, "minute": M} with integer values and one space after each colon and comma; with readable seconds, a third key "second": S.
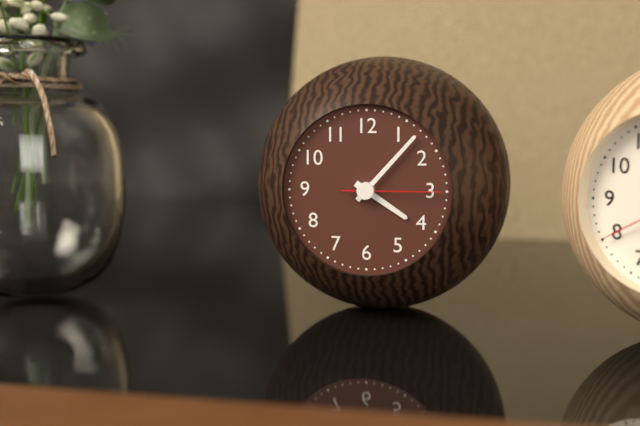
{"hour": 4, "minute": 7, "second": 15}
